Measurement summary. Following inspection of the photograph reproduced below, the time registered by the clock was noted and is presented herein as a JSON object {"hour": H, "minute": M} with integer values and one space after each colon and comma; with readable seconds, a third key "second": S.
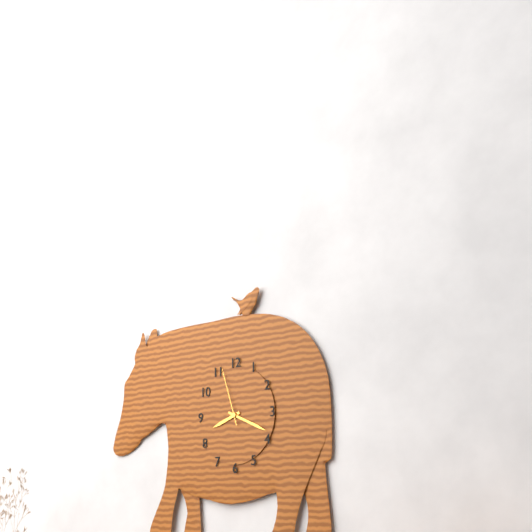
{"hour": 8, "minute": 19, "second": 57}
